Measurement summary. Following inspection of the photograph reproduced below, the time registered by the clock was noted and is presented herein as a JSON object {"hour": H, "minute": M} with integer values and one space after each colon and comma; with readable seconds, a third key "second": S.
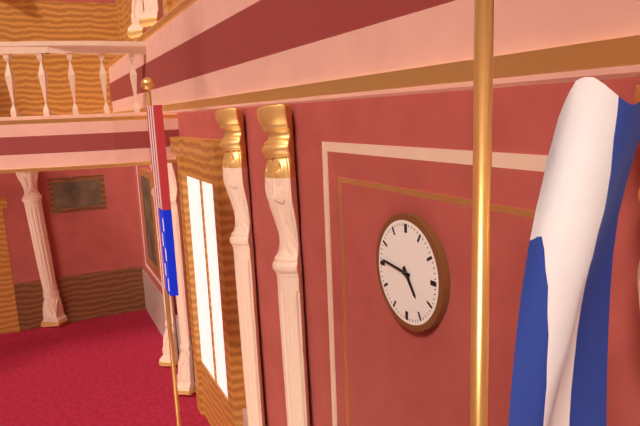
{"hour": 4, "minute": 46}
